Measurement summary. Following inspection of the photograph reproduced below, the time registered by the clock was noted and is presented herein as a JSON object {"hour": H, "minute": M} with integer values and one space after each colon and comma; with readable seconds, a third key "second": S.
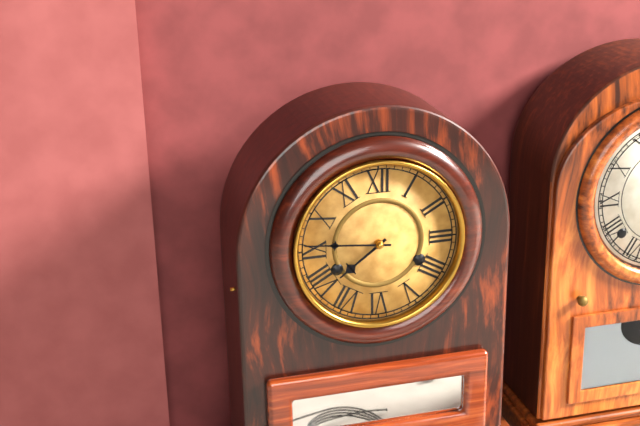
{"hour": 7, "minute": 46}
